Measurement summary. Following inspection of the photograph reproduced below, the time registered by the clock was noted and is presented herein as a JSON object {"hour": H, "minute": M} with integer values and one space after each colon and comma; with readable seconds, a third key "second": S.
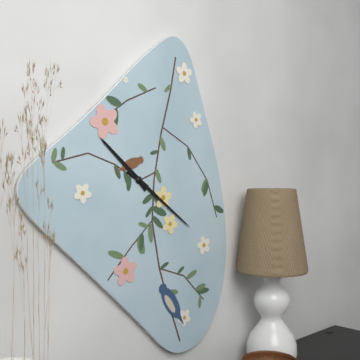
{"hour": 10, "minute": 21}
